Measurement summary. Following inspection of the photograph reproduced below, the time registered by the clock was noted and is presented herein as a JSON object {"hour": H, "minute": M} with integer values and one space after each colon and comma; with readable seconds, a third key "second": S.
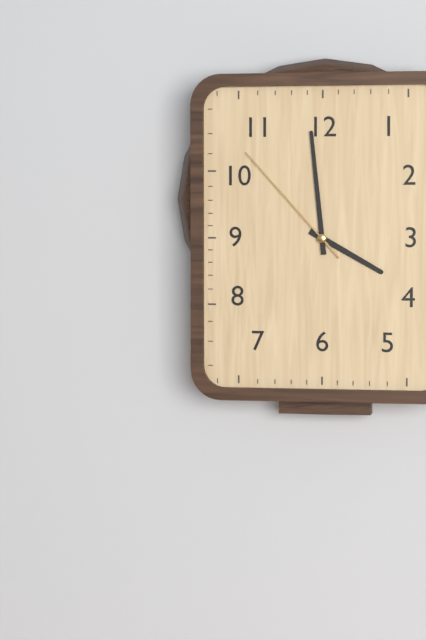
{"hour": 3, "minute": 59, "second": 53}
